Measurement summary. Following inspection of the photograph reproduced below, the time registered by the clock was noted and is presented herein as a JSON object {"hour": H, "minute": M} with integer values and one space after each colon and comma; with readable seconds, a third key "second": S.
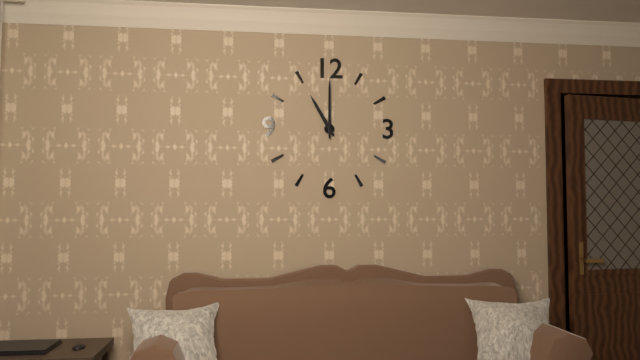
{"hour": 11, "minute": 0}
